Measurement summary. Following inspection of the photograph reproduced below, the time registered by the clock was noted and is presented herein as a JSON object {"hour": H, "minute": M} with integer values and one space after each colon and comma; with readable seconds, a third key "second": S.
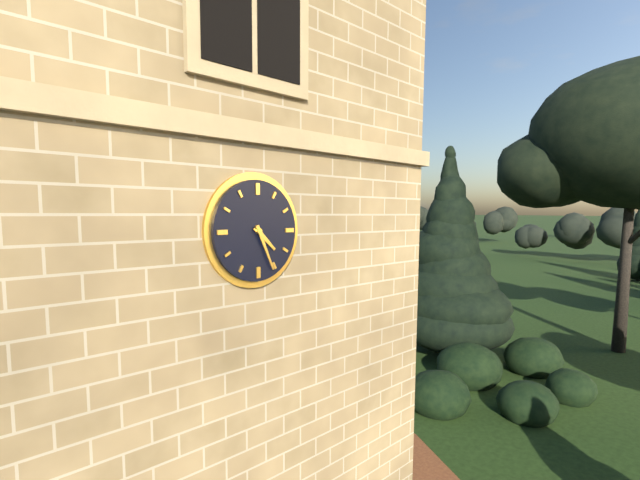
{"hour": 4, "minute": 26}
